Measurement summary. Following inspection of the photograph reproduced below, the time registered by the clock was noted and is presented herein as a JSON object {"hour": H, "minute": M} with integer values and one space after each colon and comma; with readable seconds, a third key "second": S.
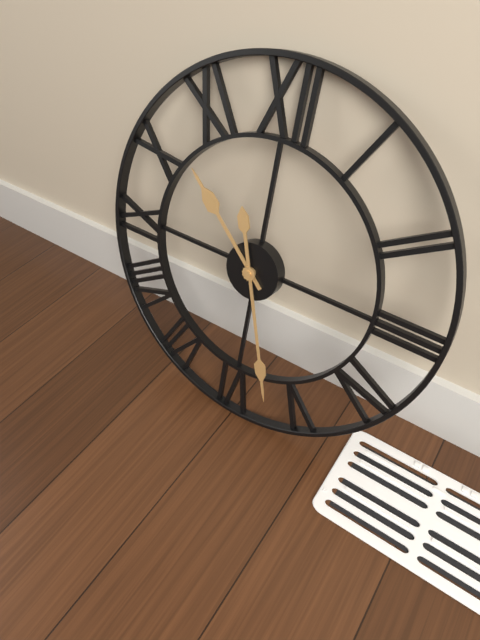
{"hour": 10, "minute": 27}
